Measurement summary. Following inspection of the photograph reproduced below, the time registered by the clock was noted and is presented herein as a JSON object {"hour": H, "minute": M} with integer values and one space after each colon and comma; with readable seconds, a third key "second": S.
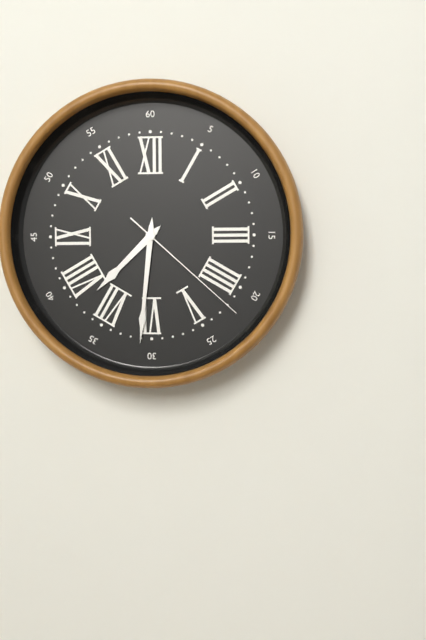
{"hour": 7, "minute": 31, "second": 22}
